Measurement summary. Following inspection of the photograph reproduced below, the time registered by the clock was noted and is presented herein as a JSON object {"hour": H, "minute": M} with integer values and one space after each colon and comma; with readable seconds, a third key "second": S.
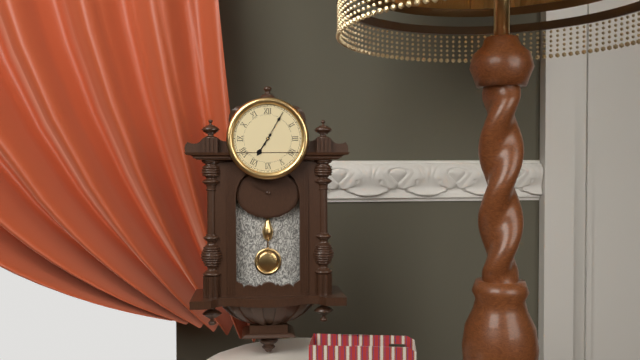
{"hour": 7, "minute": 5}
